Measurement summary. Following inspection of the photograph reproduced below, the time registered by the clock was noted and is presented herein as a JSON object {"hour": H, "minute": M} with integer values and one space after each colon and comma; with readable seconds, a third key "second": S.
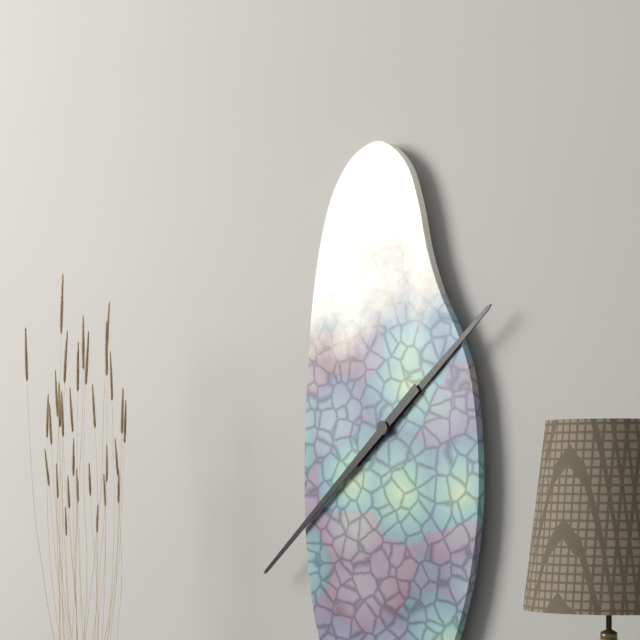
{"hour": 1, "minute": 38}
